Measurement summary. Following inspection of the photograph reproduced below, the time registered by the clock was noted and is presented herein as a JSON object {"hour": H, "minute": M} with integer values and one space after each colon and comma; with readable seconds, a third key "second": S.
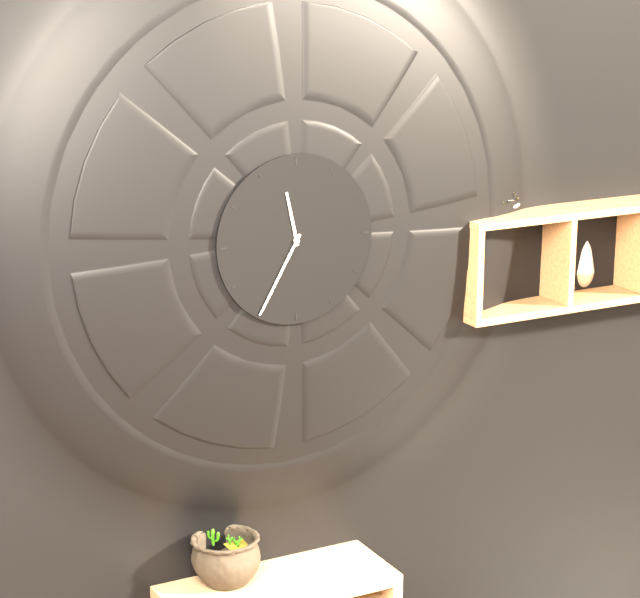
{"hour": 11, "minute": 35}
